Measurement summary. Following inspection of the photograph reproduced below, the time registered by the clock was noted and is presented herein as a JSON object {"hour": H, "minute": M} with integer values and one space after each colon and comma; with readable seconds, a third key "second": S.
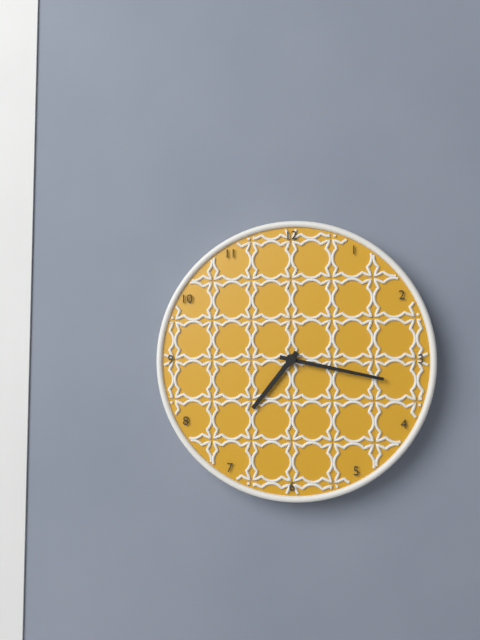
{"hour": 7, "minute": 17}
